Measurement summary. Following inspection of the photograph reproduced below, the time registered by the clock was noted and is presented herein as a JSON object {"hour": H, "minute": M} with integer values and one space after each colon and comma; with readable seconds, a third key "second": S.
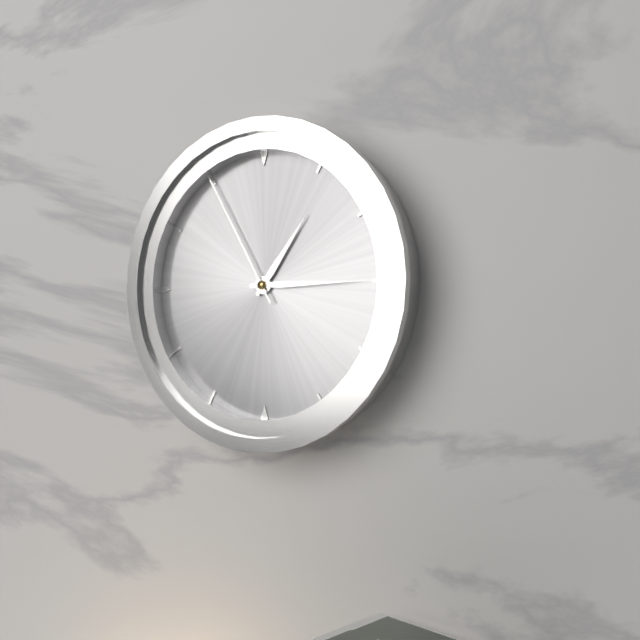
{"hour": 1, "minute": 15, "second": 55}
